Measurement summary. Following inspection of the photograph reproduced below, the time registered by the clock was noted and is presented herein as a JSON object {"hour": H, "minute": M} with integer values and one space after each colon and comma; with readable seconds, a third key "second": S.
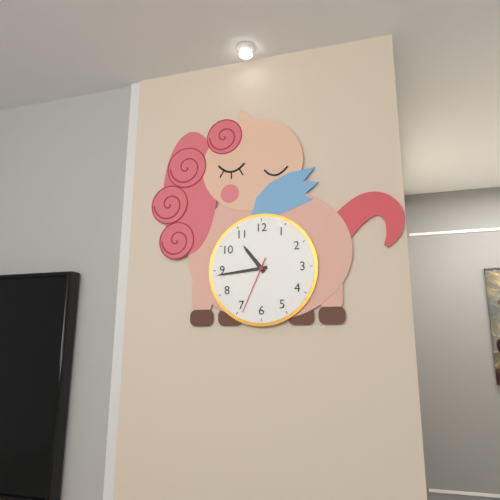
{"hour": 10, "minute": 44, "second": 34}
